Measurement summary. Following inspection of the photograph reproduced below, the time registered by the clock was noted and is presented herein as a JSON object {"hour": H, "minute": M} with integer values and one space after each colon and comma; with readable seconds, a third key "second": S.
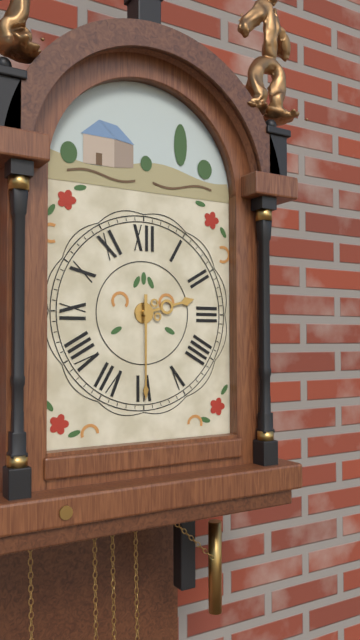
{"hour": 2, "minute": 30}
